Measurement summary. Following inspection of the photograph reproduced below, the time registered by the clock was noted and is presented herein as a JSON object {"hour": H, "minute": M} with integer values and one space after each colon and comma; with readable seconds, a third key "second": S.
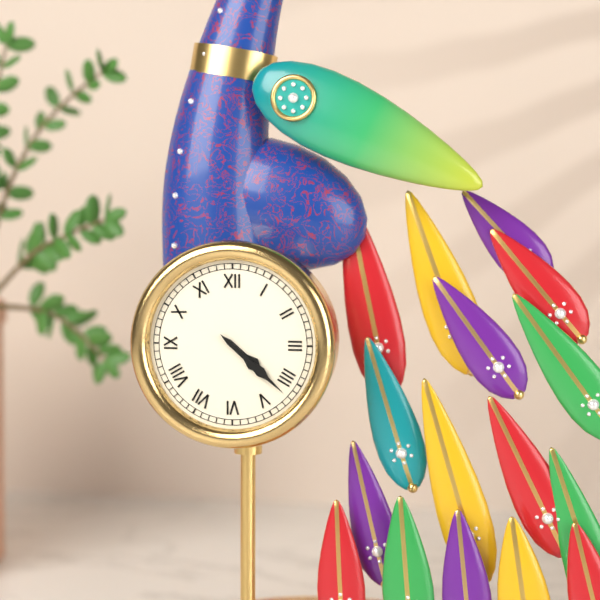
{"hour": 4, "minute": 22}
